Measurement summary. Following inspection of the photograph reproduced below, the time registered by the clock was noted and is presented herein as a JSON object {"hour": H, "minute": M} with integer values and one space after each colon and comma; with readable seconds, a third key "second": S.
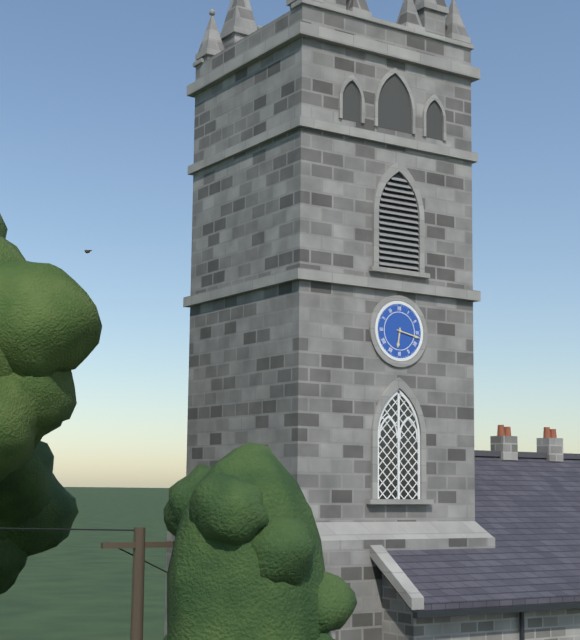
{"hour": 6, "minute": 17}
